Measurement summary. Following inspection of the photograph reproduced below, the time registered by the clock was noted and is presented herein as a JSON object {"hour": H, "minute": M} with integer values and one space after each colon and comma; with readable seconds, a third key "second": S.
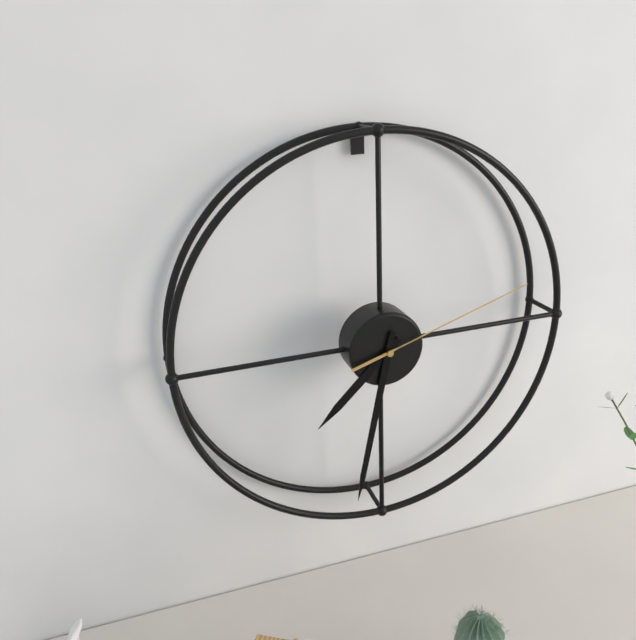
{"hour": 7, "minute": 32, "second": 12}
